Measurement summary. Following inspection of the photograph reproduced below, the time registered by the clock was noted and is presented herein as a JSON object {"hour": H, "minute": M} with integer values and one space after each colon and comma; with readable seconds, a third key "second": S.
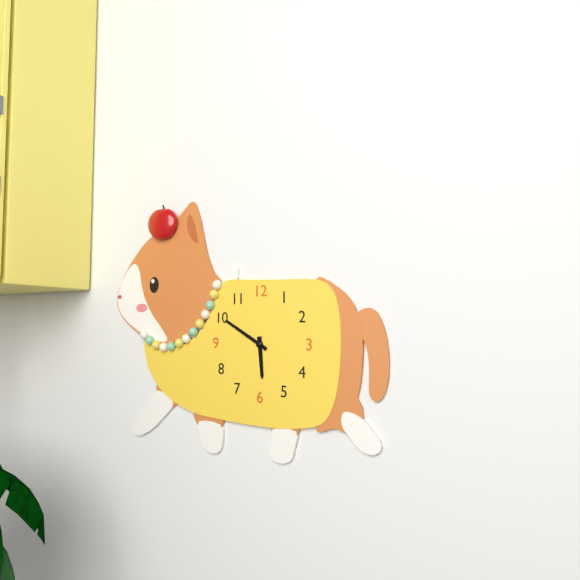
{"hour": 5, "minute": 50}
